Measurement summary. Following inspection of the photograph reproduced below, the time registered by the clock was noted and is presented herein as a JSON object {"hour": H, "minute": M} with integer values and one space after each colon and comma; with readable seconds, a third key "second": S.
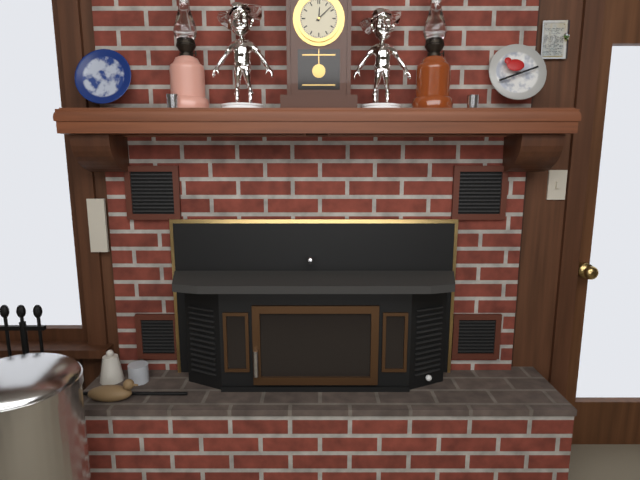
{"hour": 12, "minute": 8}
